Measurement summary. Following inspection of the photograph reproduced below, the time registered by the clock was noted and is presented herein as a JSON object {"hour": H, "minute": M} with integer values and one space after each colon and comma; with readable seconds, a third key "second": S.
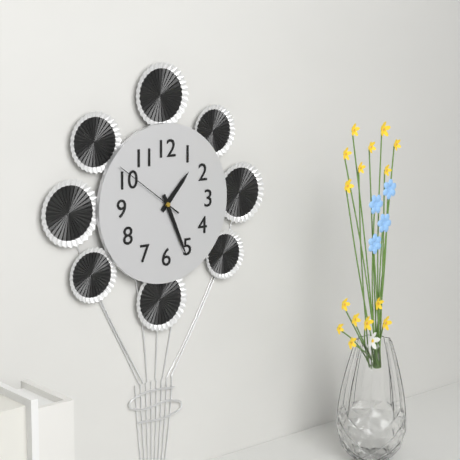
{"hour": 1, "minute": 26, "second": 51}
